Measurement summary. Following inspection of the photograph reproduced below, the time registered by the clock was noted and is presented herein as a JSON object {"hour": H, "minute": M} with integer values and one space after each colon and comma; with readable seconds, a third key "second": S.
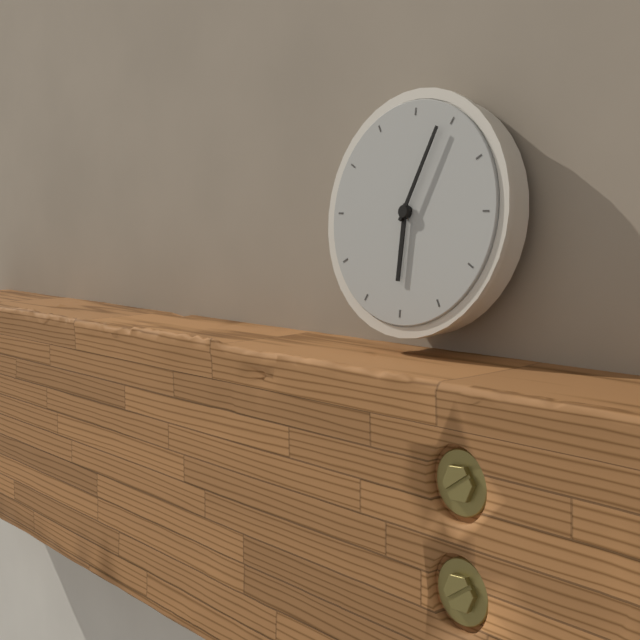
{"hour": 6, "minute": 4}
